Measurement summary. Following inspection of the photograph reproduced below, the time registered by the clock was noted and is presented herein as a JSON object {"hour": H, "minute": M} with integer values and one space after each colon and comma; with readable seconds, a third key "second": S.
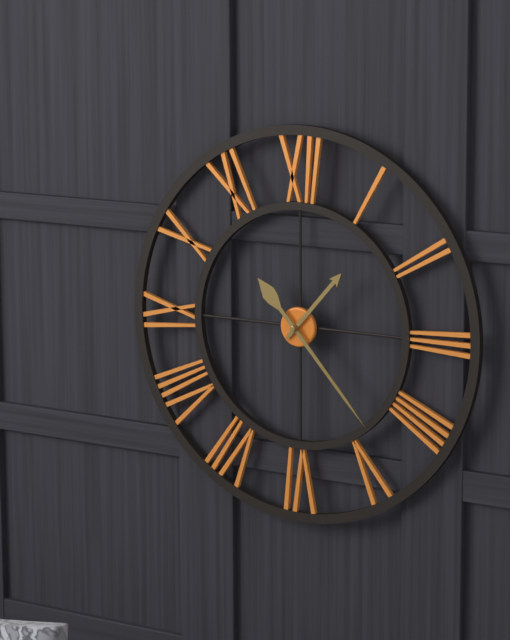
{"hour": 1, "minute": 23}
